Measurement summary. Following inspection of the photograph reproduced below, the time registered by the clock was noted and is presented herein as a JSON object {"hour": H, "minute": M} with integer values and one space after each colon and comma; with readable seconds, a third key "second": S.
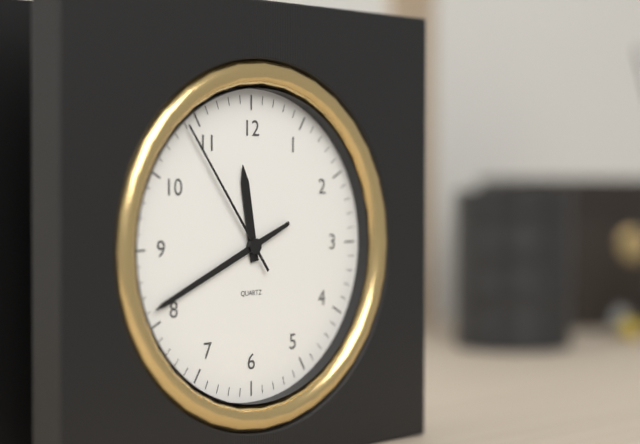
{"hour": 11, "minute": 41, "second": 54}
